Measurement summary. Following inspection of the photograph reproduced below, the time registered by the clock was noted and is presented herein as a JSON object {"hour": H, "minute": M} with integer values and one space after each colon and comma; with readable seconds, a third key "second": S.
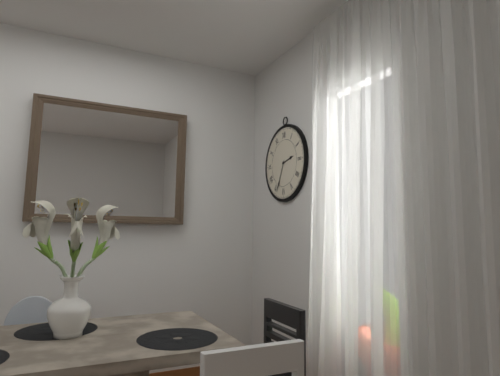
{"hour": 2, "minute": 34}
